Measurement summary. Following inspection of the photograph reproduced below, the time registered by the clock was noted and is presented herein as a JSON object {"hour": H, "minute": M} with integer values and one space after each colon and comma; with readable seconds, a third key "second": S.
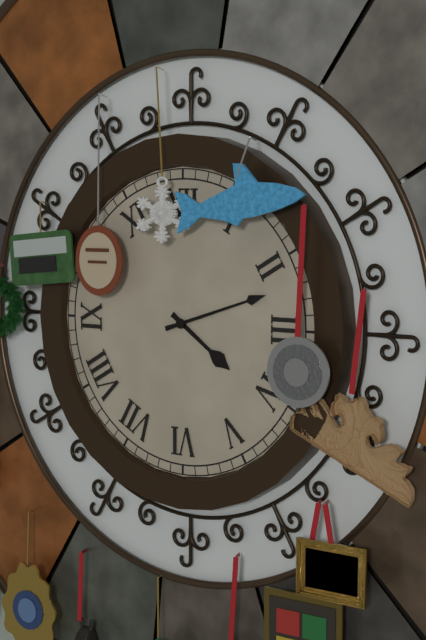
{"hour": 4, "minute": 12}
